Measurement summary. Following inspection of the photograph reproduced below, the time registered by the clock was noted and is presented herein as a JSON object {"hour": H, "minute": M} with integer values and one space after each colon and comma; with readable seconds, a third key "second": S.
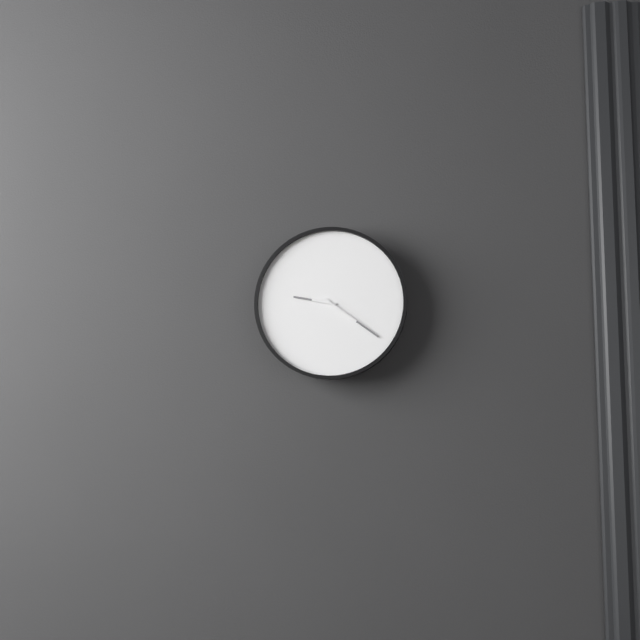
{"hour": 9, "minute": 21}
